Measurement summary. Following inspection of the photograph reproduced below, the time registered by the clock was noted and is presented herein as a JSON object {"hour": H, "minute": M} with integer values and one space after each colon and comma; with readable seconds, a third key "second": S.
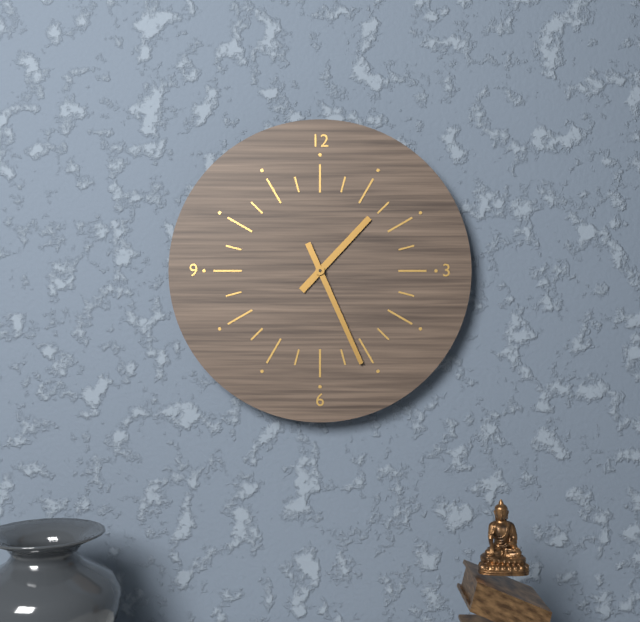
{"hour": 1, "minute": 26}
